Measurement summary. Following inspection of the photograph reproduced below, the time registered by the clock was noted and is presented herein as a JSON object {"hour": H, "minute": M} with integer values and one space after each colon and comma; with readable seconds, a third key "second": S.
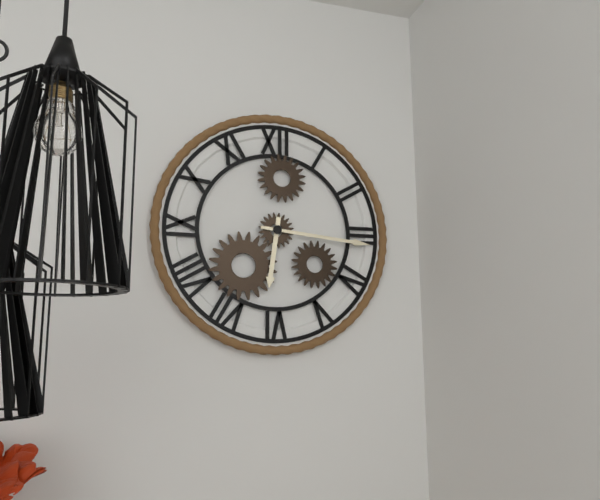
{"hour": 6, "minute": 16}
